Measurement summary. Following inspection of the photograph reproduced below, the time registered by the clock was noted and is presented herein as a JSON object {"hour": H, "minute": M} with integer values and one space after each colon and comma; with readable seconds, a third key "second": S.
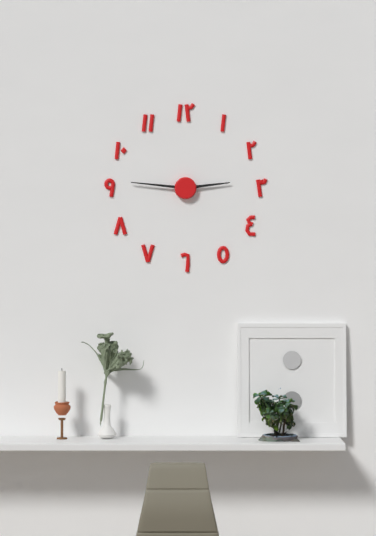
{"hour": 2, "minute": 46}
